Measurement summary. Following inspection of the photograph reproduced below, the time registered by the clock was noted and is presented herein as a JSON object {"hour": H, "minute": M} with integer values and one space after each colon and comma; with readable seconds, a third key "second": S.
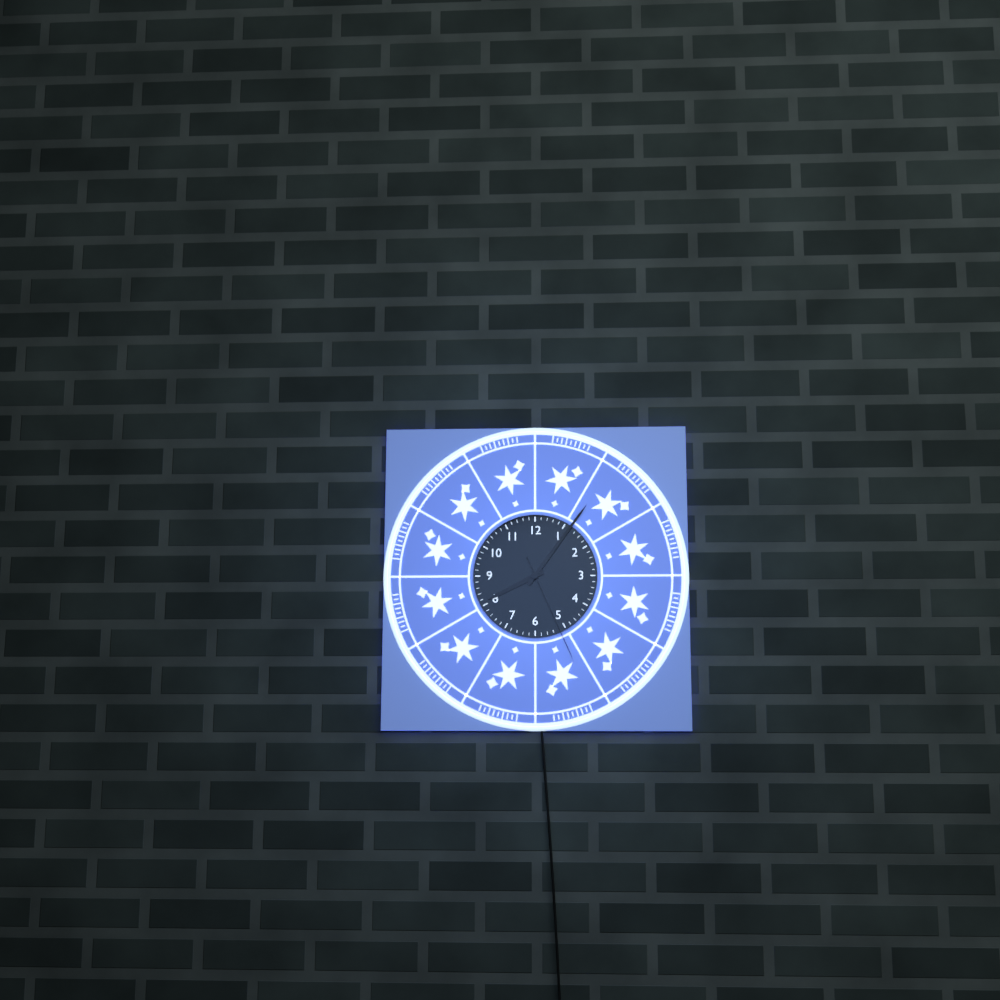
{"hour": 8, "minute": 6, "second": 26}
